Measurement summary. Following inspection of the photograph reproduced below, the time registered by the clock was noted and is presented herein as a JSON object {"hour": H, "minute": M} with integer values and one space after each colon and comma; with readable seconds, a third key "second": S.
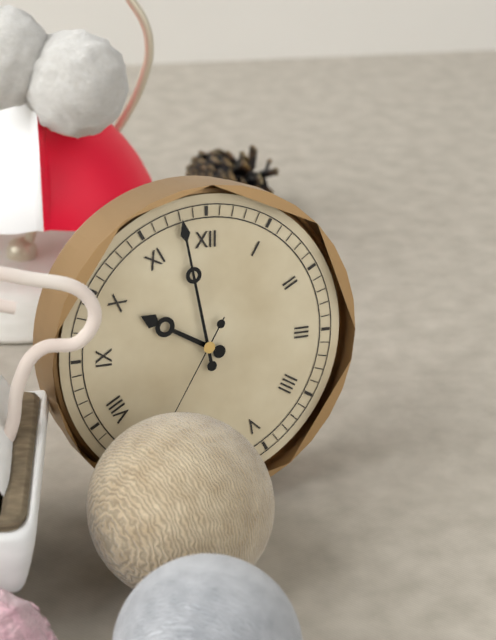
{"hour": 9, "minute": 58}
